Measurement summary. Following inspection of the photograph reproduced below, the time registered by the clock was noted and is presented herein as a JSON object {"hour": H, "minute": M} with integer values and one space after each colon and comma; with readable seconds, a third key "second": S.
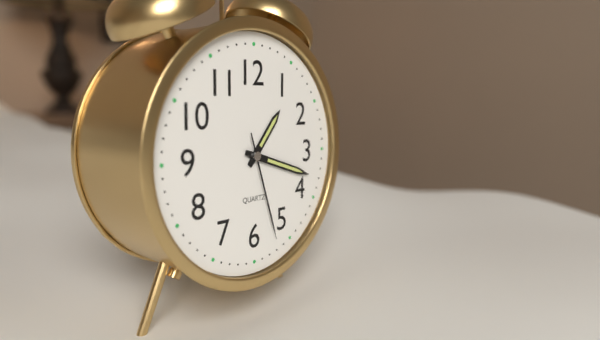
{"hour": 1, "minute": 18, "second": 27}
